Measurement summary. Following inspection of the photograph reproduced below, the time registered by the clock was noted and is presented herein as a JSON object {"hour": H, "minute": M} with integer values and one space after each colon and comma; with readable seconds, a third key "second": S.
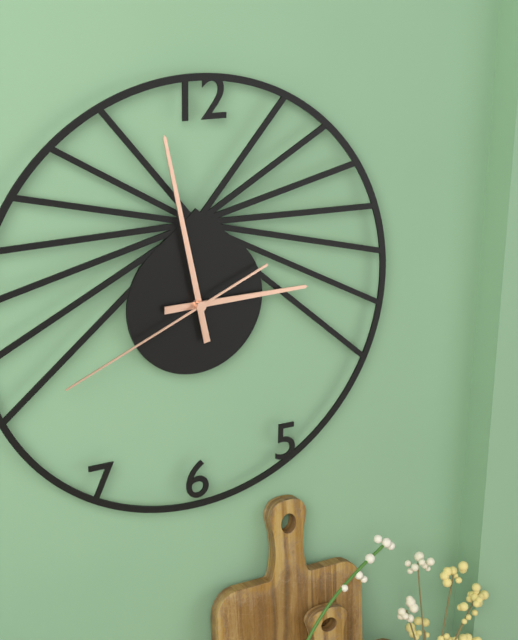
{"hour": 2, "minute": 58, "second": 41}
